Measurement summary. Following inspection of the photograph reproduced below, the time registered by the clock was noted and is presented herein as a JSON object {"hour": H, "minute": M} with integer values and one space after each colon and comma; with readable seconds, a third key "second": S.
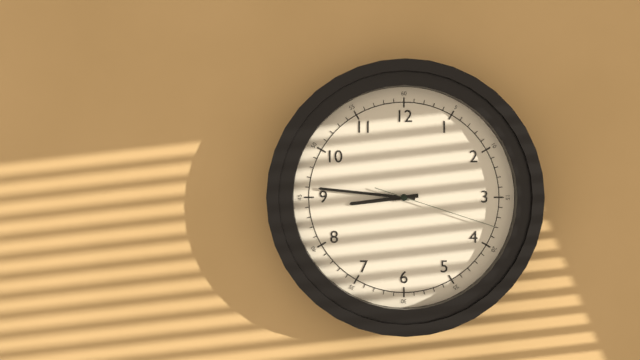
{"hour": 8, "minute": 46, "second": 18}
